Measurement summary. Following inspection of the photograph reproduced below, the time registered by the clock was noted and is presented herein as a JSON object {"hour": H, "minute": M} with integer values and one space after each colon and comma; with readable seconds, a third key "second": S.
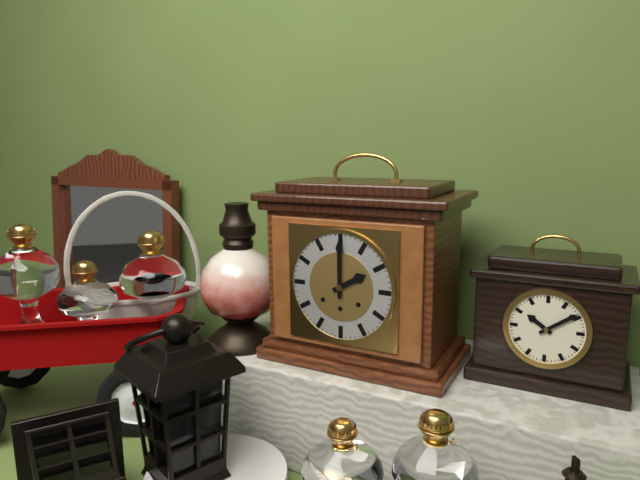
{"hour": 2, "minute": 0}
